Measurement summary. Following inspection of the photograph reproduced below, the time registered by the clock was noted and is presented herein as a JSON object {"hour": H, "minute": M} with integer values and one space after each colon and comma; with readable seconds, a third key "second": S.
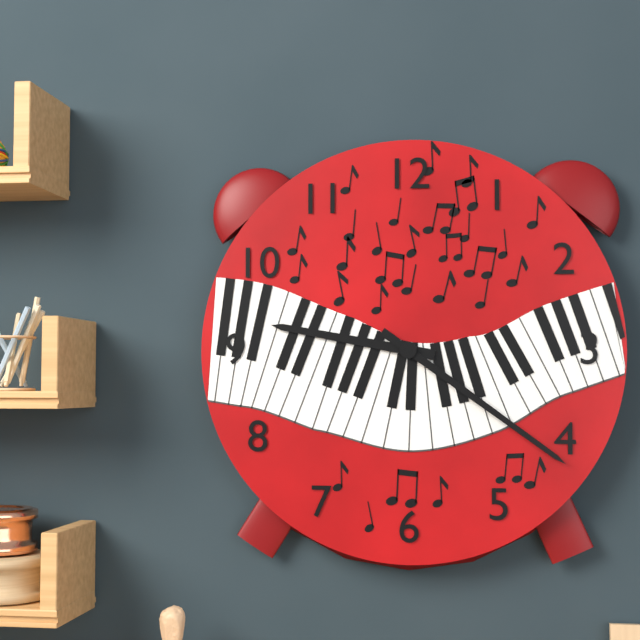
{"hour": 9, "minute": 21}
